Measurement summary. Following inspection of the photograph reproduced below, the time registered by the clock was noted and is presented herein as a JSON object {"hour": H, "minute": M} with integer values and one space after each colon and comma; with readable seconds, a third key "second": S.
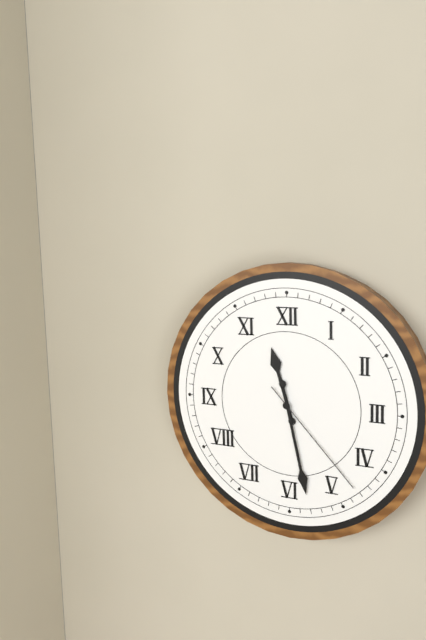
{"hour": 11, "minute": 28, "second": 23}
